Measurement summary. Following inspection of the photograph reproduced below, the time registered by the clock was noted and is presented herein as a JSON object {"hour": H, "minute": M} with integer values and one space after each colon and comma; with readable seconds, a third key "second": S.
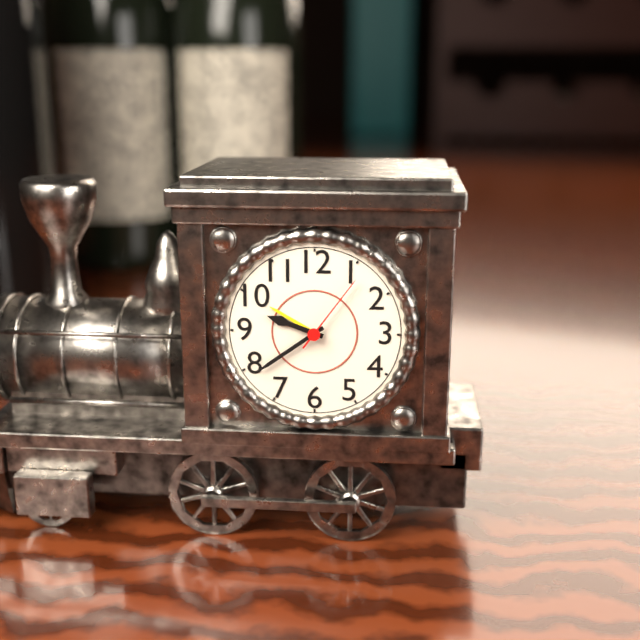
{"hour": 9, "minute": 39, "second": 6}
